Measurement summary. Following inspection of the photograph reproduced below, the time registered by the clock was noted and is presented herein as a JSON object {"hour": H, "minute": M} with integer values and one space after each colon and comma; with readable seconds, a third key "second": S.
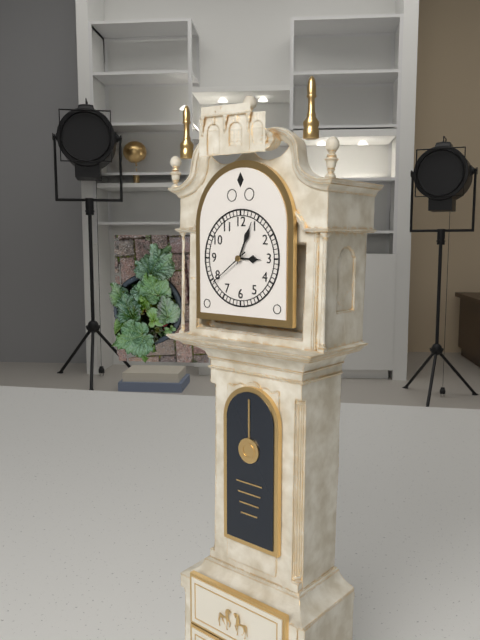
{"hour": 3, "minute": 4}
